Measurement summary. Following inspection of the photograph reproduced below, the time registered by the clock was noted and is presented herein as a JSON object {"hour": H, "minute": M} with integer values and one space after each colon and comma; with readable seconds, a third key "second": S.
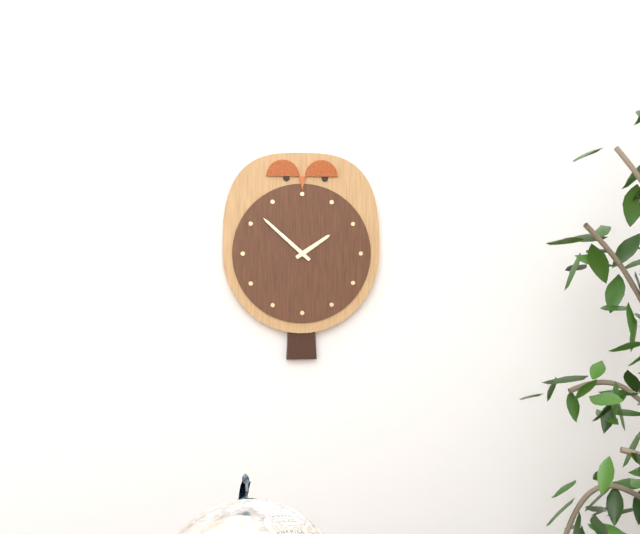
{"hour": 1, "minute": 52}
